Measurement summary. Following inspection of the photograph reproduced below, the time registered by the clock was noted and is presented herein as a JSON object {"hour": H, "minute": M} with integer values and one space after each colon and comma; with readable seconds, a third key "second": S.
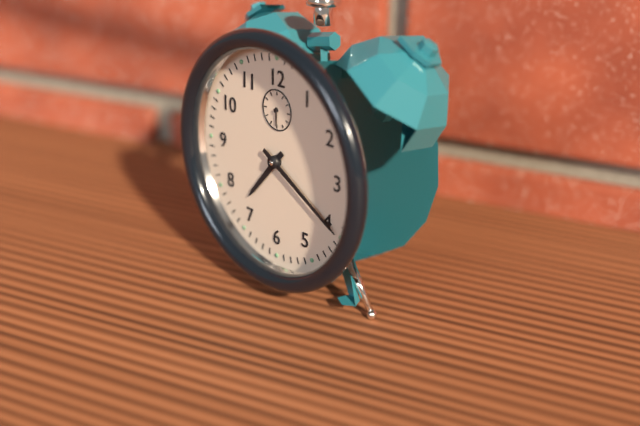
{"hour": 7, "minute": 20}
